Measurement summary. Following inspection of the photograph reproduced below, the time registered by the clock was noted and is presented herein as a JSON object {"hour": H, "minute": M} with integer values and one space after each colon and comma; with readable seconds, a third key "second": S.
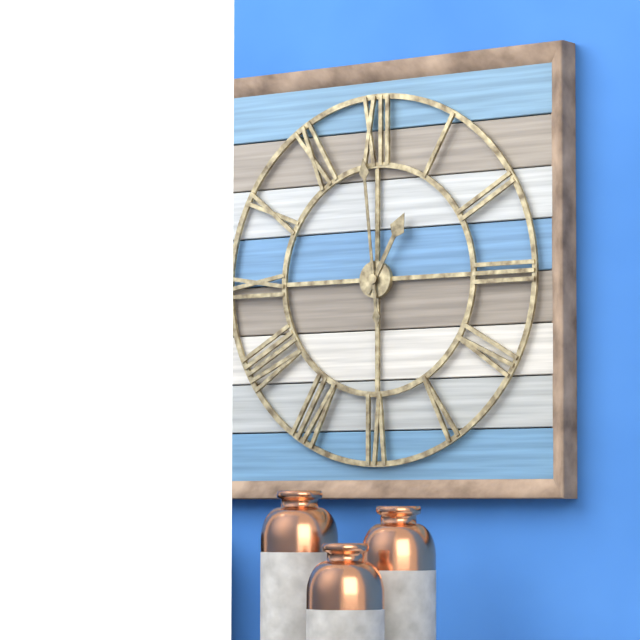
{"hour": 12, "minute": 59}
